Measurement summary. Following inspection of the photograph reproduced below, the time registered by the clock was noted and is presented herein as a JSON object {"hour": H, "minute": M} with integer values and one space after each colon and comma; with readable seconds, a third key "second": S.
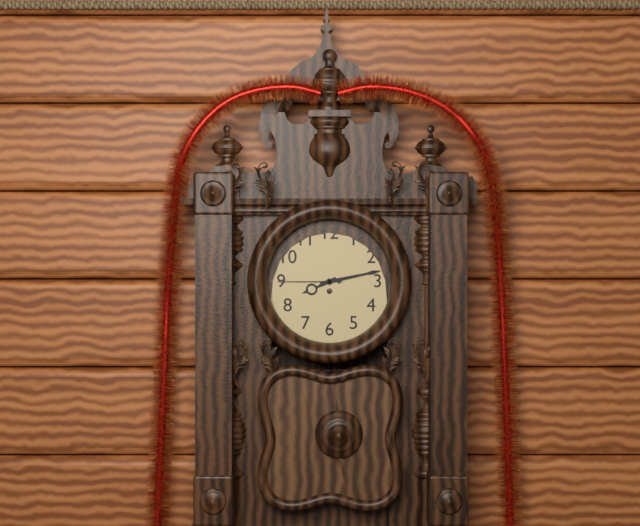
{"hour": 8, "minute": 13, "second": 45}
